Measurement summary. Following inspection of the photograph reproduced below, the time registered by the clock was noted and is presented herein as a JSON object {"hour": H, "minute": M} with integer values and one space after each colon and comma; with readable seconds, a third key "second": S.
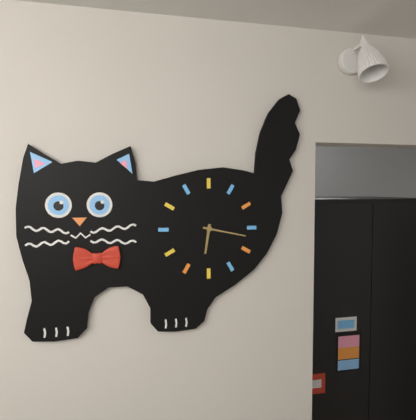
{"hour": 6, "minute": 17}
